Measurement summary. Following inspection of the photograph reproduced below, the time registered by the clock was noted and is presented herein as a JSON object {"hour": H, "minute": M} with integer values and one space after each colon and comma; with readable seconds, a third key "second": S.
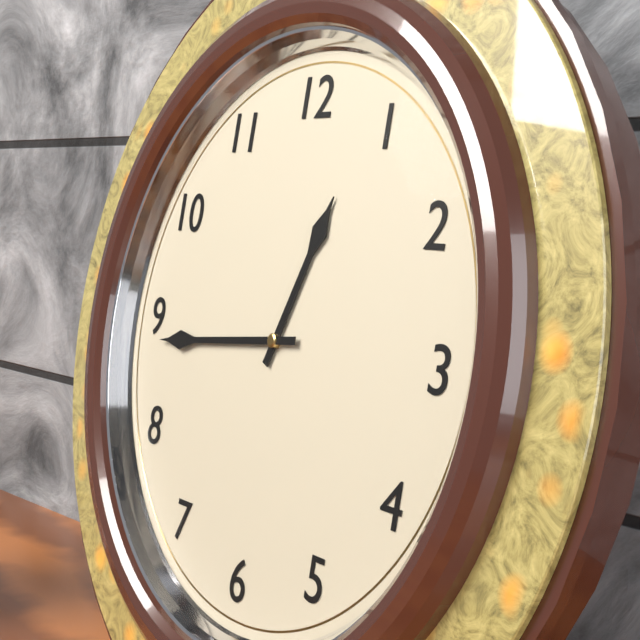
{"hour": 12, "minute": 44}
